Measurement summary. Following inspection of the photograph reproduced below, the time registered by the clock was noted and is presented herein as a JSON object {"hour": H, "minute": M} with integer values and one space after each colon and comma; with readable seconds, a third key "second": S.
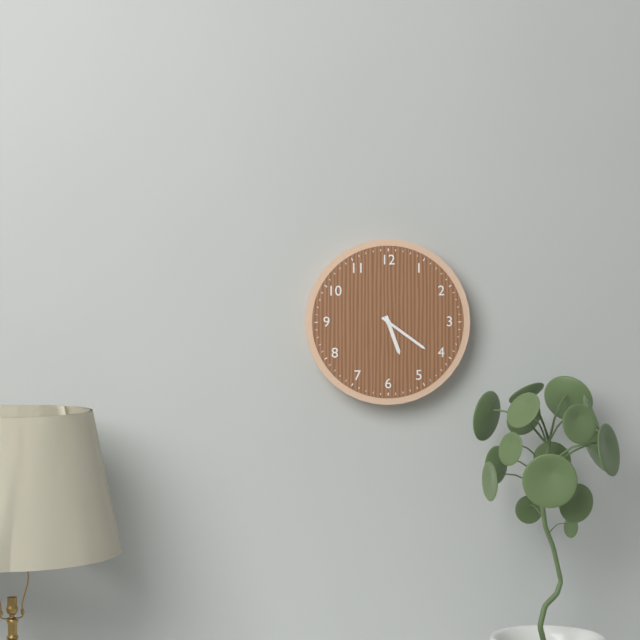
{"hour": 5, "minute": 21}
